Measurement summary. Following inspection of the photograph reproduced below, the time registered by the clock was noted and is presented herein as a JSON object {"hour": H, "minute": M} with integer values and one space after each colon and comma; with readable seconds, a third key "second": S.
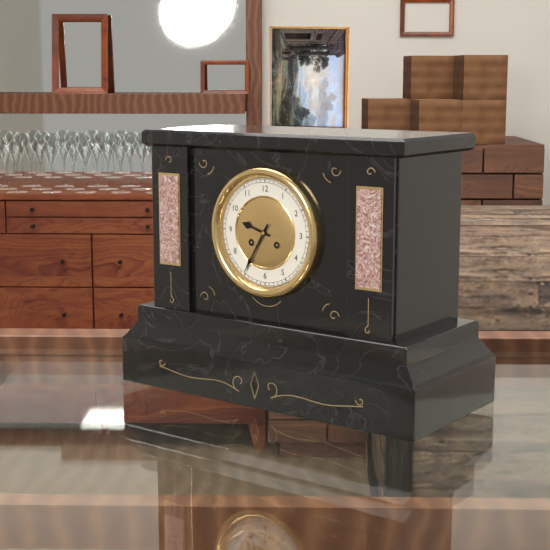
{"hour": 9, "minute": 35}
